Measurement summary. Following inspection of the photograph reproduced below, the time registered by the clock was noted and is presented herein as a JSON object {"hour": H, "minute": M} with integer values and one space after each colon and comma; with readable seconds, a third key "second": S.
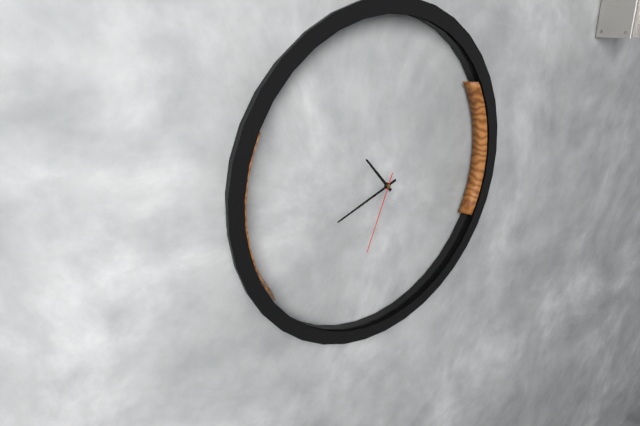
{"hour": 10, "minute": 42, "second": 34}
